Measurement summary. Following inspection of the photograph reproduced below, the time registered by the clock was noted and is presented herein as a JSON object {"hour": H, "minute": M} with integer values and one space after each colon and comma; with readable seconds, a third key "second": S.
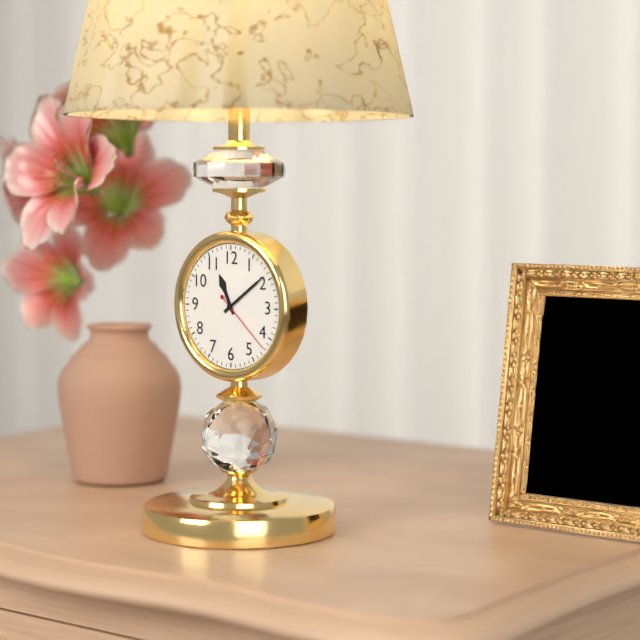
{"hour": 11, "minute": 9, "second": 22}
